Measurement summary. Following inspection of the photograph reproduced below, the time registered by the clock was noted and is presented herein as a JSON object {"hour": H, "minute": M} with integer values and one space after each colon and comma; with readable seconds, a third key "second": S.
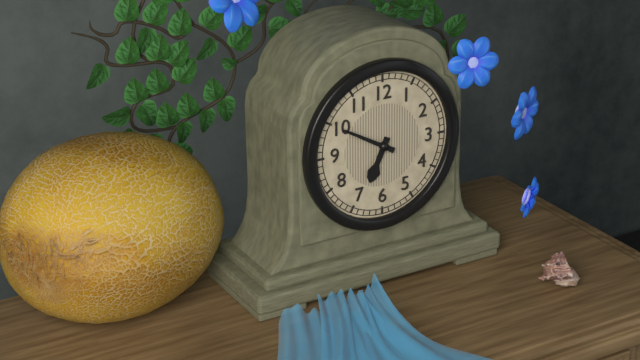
{"hour": 6, "minute": 50}
